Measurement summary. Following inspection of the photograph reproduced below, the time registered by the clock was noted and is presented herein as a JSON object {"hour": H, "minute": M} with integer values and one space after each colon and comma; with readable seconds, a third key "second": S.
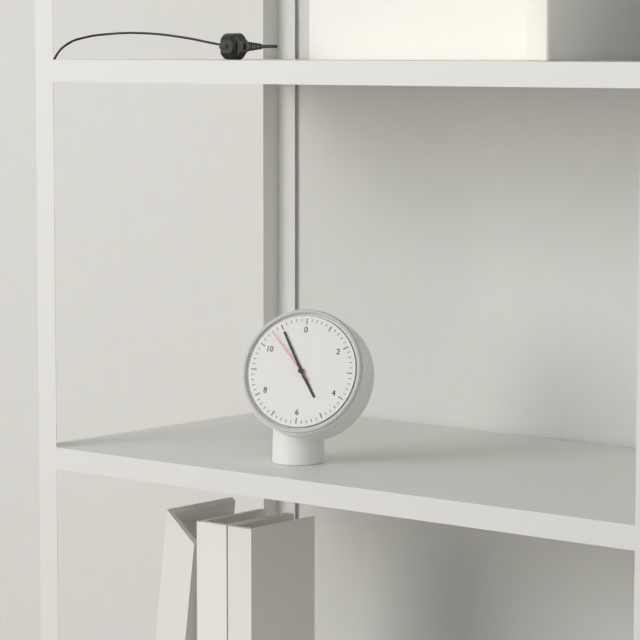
{"hour": 4, "minute": 55, "second": 53}
